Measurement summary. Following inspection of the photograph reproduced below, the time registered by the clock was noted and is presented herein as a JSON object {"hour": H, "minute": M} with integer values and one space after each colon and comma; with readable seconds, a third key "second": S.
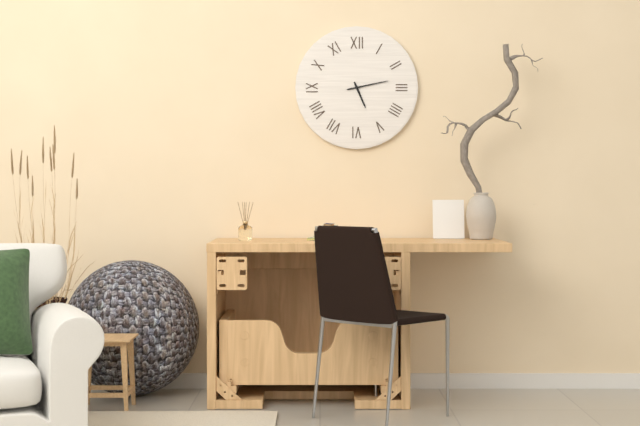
{"hour": 5, "minute": 13}
